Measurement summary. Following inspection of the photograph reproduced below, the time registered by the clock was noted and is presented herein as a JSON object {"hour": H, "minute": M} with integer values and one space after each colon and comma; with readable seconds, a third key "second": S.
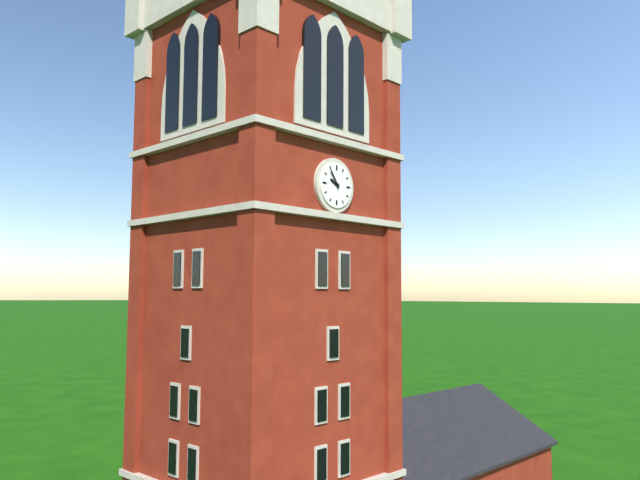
{"hour": 9, "minute": 54}
